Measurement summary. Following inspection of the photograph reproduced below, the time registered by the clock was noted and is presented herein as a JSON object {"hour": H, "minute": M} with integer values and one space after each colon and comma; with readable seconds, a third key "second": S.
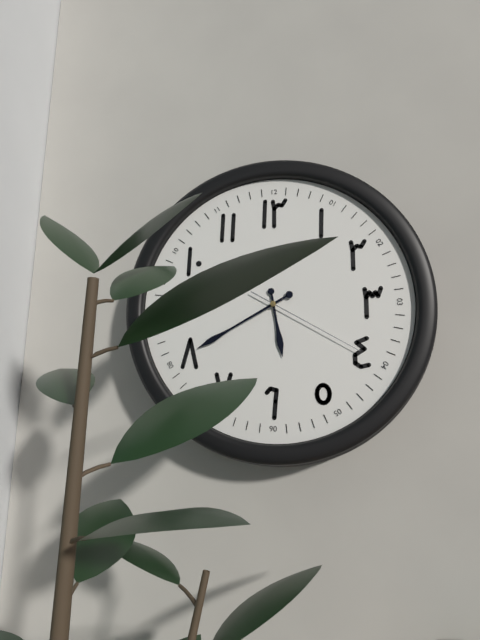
{"hour": 5, "minute": 40, "second": 20}
